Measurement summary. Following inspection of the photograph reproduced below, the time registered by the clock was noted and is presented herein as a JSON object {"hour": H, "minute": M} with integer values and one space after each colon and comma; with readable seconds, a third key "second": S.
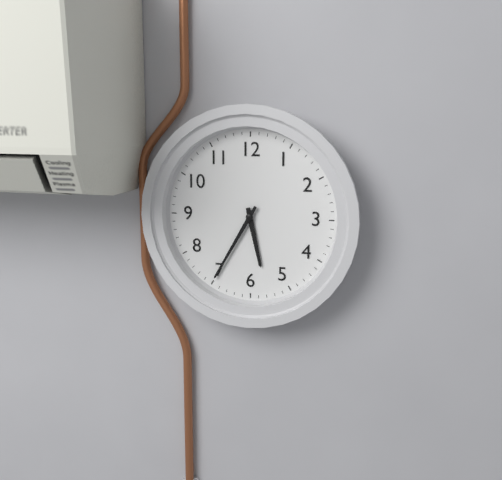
{"hour": 5, "minute": 35}
